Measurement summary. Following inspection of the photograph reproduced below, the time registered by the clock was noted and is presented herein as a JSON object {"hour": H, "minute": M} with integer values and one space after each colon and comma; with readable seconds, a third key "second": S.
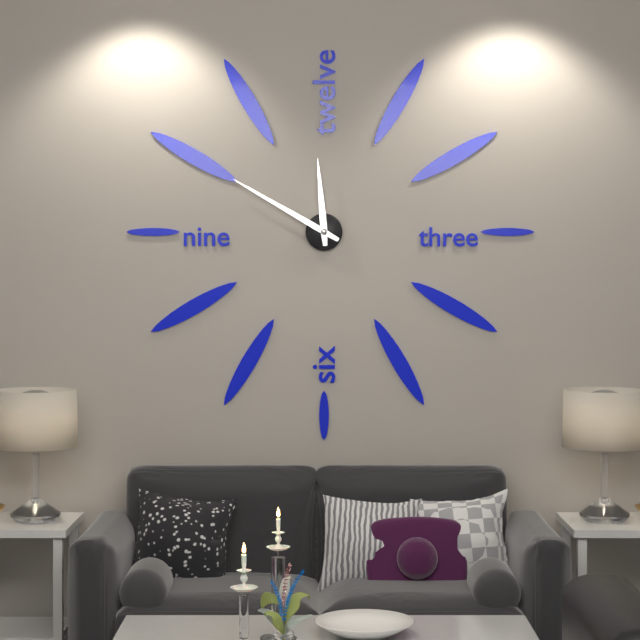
{"hour": 11, "minute": 50}
